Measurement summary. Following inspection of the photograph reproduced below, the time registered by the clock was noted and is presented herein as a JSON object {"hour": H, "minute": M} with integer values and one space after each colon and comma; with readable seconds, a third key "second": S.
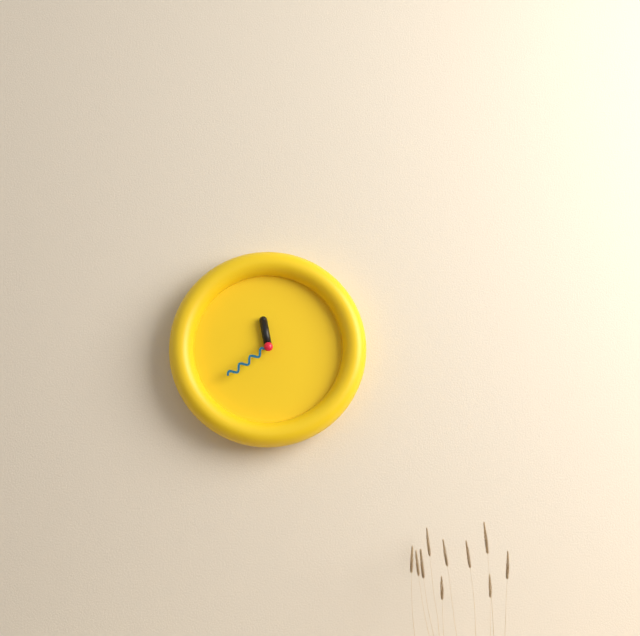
{"hour": 11, "minute": 39}
